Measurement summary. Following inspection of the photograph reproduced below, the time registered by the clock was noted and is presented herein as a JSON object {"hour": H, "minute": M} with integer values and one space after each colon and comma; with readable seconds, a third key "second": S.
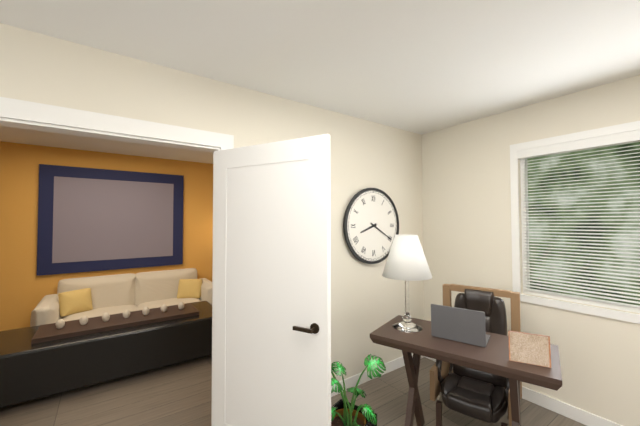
{"hour": 8, "minute": 20}
